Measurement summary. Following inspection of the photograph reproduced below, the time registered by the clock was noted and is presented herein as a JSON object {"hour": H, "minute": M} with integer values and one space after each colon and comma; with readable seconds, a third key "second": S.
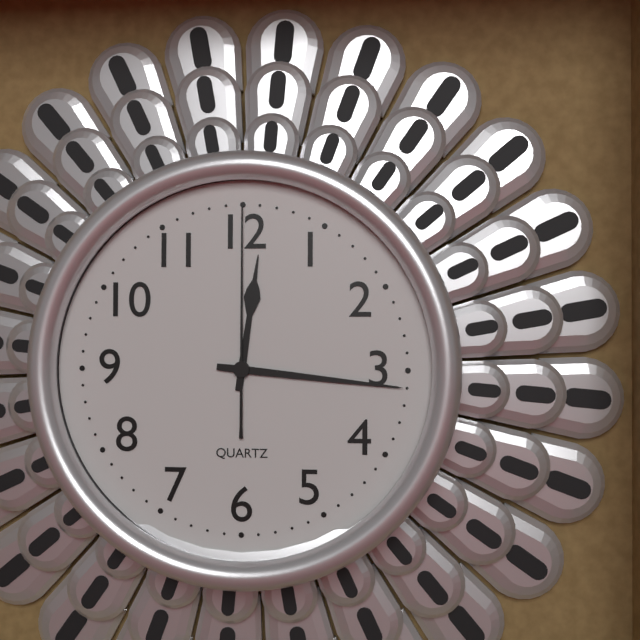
{"hour": 12, "minute": 16, "second": 0}
